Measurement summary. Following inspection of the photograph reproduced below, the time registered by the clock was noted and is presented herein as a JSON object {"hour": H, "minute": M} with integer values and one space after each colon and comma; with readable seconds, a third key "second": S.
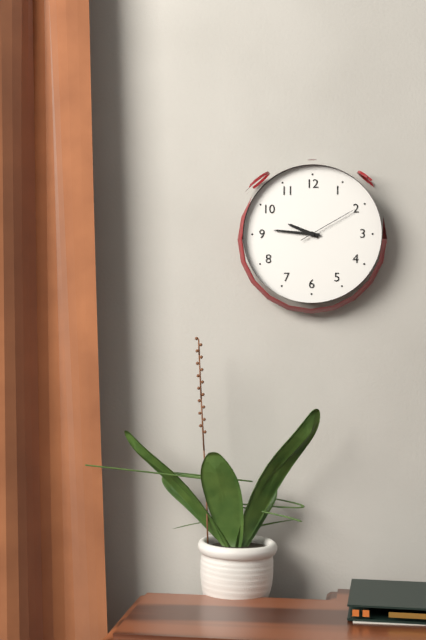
{"hour": 9, "minute": 46, "second": 10}
